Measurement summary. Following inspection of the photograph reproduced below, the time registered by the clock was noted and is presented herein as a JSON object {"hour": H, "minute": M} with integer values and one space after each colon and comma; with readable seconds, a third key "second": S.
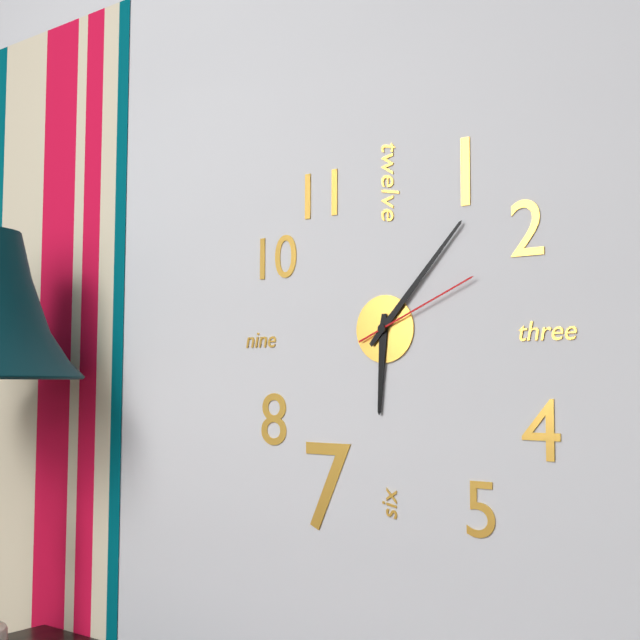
{"hour": 6, "minute": 7, "second": 11}
